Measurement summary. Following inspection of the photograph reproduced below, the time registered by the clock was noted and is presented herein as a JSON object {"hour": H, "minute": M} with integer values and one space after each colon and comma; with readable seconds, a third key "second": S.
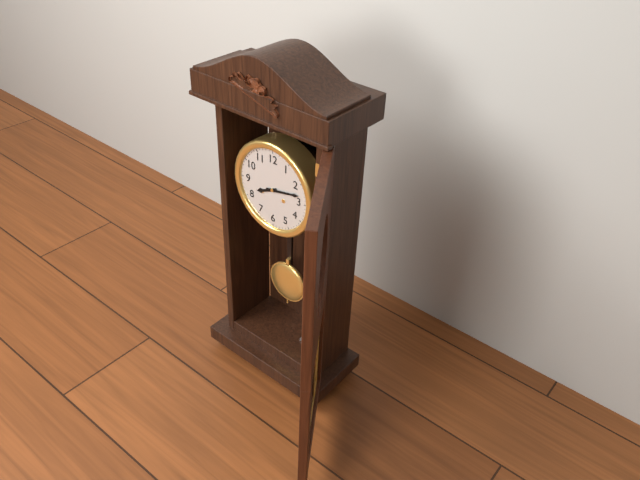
{"hour": 8, "minute": 13}
